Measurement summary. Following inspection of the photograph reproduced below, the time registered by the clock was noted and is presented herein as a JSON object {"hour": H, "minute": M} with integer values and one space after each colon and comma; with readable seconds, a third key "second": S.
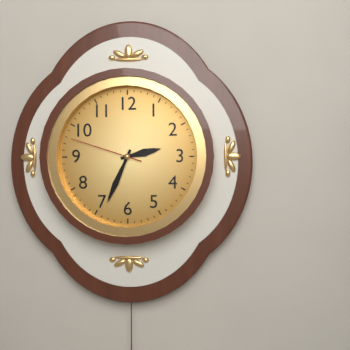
{"hour": 2, "minute": 34, "second": 48}
